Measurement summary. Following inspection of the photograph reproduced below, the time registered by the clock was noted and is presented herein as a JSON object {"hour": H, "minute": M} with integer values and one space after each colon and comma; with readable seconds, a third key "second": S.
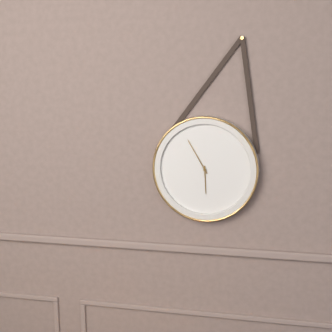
{"hour": 5, "minute": 55}
